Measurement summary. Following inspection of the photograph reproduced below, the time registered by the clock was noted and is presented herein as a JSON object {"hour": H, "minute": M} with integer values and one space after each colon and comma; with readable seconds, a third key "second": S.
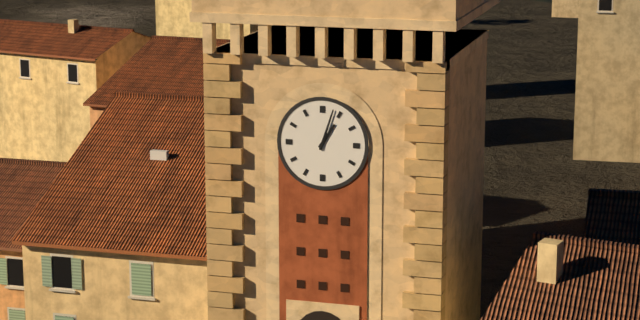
{"hour": 1, "minute": 3}
